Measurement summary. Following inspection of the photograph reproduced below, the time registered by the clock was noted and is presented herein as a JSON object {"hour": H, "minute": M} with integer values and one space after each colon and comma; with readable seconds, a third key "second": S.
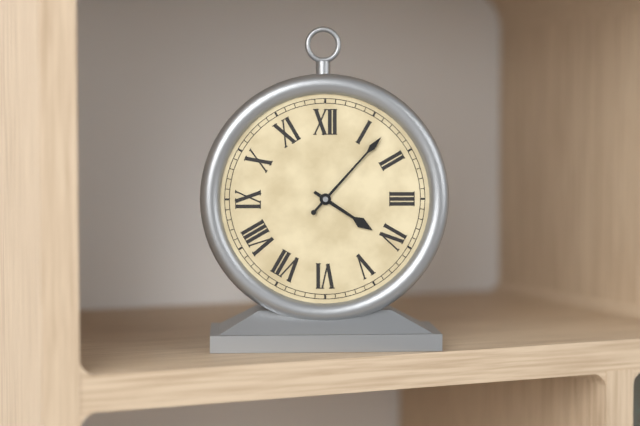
{"hour": 4, "minute": 7}
